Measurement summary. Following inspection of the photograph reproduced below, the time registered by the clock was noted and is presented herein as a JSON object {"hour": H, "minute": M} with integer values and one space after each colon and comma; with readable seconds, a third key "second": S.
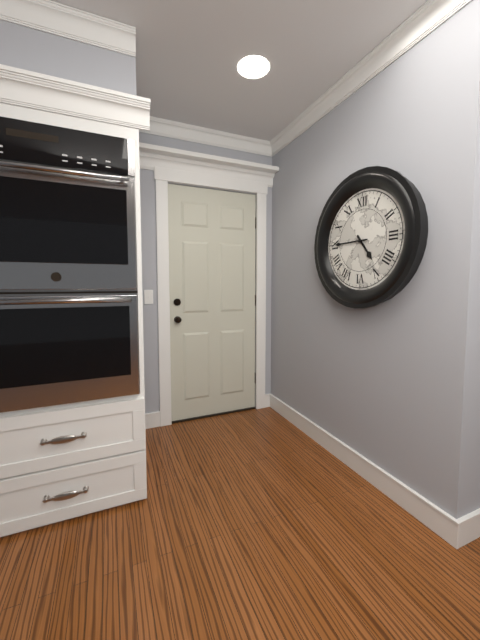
{"hour": 4, "minute": 45}
